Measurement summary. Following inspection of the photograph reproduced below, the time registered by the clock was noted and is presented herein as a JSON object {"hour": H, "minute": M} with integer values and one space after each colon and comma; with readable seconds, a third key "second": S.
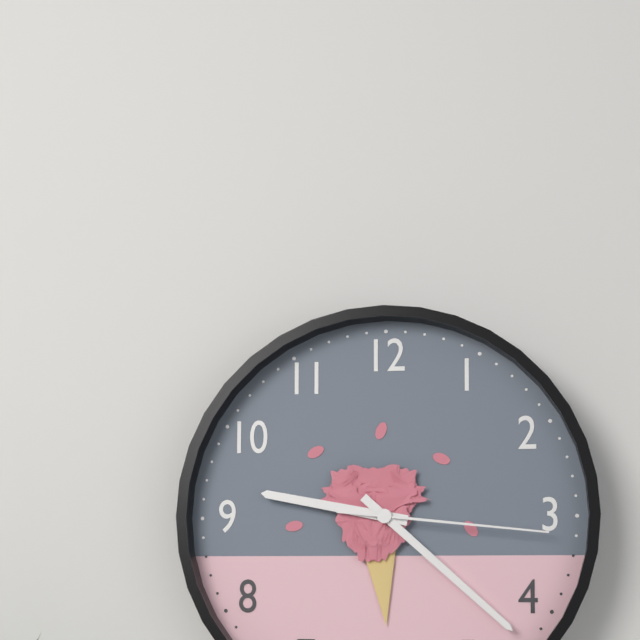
{"hour": 9, "minute": 22, "second": 16}
